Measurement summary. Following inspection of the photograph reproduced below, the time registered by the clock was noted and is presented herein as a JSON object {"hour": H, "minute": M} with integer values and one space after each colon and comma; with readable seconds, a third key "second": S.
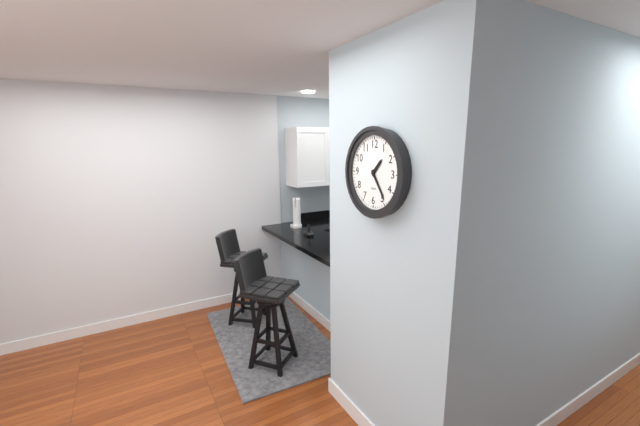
{"hour": 1, "minute": 24}
